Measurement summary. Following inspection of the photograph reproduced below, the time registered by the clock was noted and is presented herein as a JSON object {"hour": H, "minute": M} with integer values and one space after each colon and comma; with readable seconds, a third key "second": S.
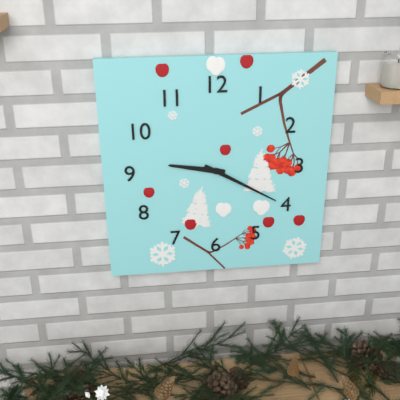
{"hour": 9, "minute": 20}
